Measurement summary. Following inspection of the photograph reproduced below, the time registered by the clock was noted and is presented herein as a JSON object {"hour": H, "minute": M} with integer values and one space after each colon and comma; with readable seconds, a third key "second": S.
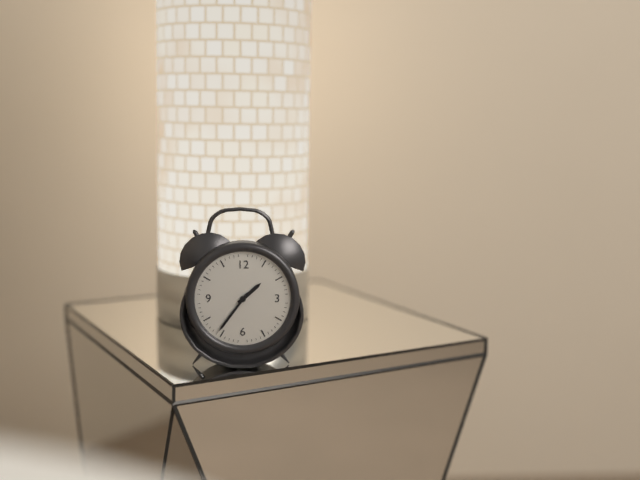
{"hour": 1, "minute": 36}
